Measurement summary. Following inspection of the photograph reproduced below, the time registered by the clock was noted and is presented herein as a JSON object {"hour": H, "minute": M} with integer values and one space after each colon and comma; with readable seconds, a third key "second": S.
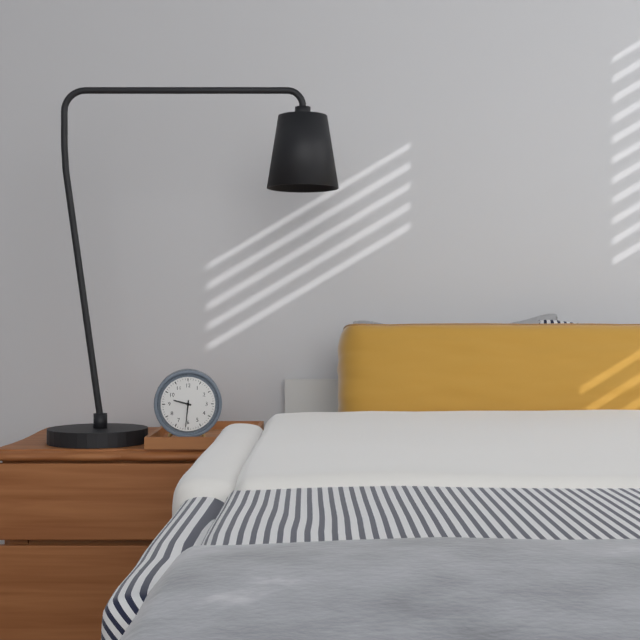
{"hour": 9, "minute": 31}
